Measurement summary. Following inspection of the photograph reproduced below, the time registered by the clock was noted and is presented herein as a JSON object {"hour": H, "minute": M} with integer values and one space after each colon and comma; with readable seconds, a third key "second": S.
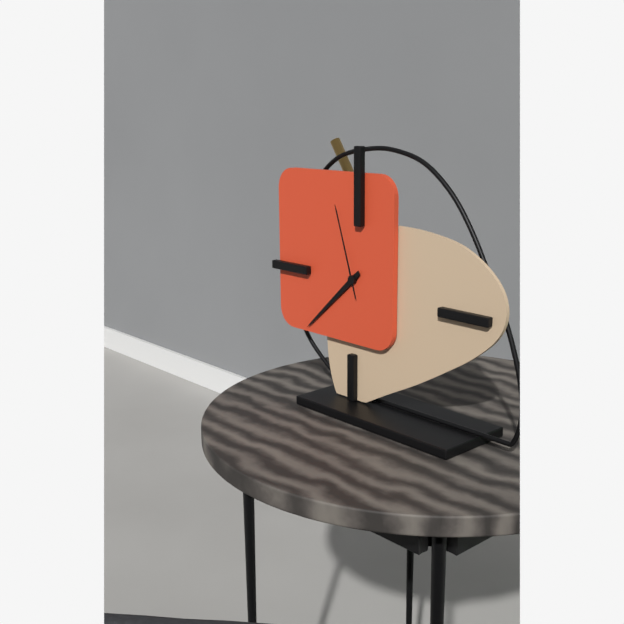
{"hour": 7, "minute": 38, "second": 57}
